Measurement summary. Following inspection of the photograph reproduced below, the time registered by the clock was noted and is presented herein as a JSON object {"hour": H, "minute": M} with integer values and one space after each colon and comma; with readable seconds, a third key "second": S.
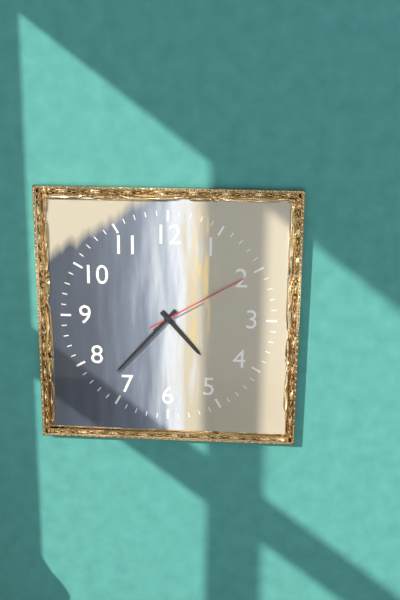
{"hour": 4, "minute": 37, "second": 10}
